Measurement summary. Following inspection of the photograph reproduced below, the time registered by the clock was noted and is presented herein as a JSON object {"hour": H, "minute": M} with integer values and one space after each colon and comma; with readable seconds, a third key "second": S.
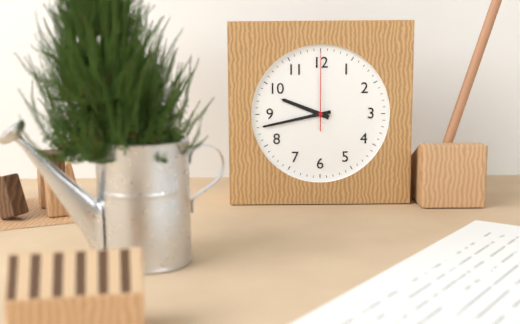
{"hour": 9, "minute": 43, "second": 0}
